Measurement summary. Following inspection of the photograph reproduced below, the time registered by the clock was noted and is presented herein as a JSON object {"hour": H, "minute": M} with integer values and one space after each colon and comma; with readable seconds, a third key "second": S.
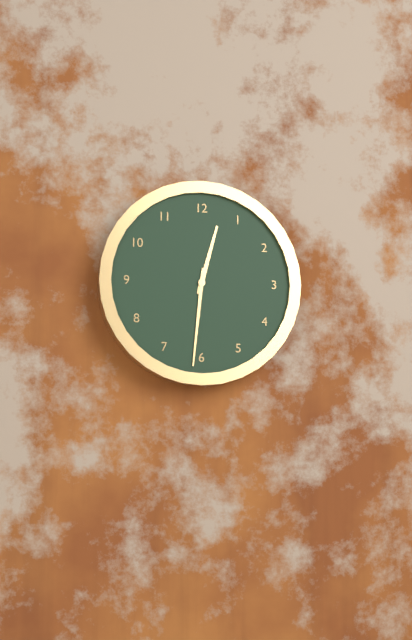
{"hour": 12, "minute": 31}
